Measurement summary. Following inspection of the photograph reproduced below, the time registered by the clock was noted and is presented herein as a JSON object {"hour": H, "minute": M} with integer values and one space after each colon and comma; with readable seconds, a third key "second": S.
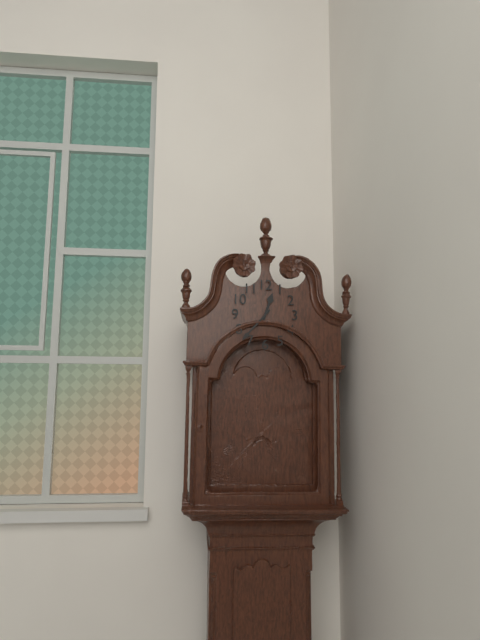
{"hour": 12, "minute": 37}
